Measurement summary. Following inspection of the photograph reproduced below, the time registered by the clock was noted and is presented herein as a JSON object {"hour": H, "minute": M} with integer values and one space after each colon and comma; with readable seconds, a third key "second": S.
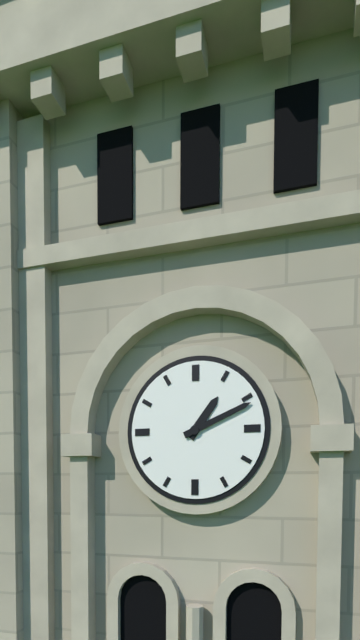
{"hour": 1, "minute": 11}
